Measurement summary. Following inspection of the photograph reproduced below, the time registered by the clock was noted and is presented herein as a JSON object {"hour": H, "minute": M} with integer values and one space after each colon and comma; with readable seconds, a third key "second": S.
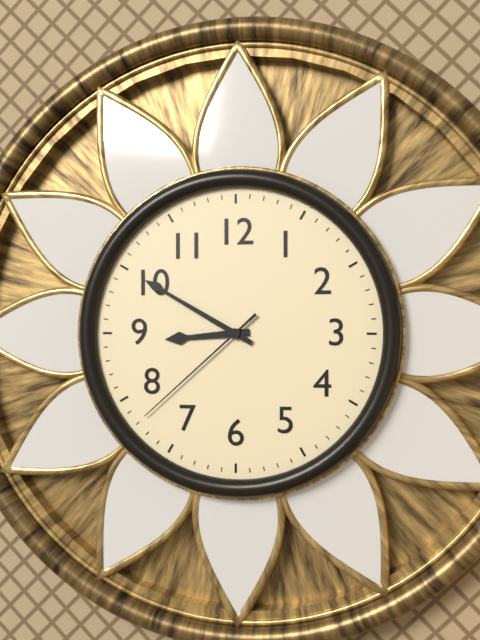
{"hour": 8, "minute": 50, "second": 38}
